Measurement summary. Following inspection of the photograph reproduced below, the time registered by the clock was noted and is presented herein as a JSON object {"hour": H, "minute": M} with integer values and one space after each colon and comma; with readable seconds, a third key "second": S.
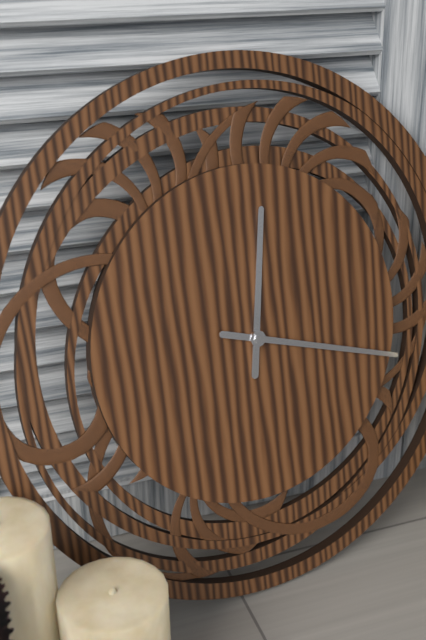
{"hour": 12, "minute": 18}
